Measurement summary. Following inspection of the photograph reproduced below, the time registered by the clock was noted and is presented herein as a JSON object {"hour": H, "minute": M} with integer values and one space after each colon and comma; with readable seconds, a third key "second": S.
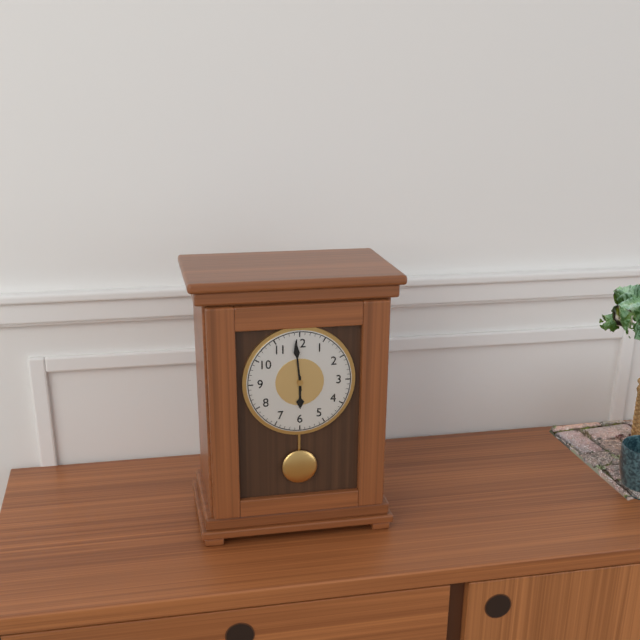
{"hour": 5, "minute": 59}
